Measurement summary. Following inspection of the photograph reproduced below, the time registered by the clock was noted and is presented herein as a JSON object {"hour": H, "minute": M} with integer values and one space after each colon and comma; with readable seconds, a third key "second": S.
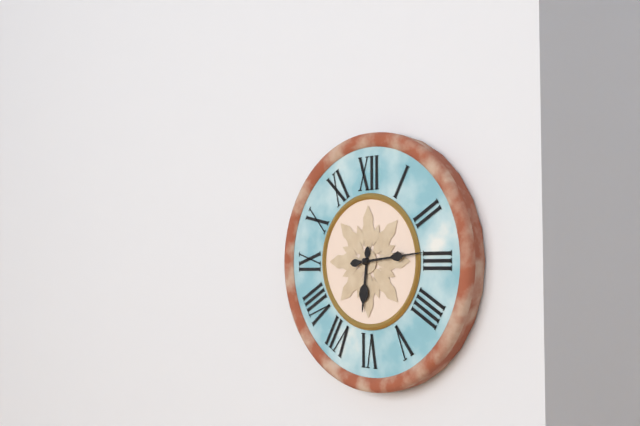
{"hour": 6, "minute": 14}
